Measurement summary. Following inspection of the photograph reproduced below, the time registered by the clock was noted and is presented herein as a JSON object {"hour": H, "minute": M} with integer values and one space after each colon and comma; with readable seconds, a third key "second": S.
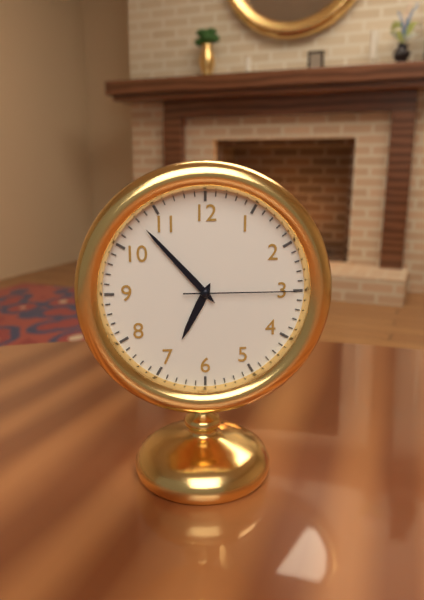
{"hour": 6, "minute": 53, "second": 15}
